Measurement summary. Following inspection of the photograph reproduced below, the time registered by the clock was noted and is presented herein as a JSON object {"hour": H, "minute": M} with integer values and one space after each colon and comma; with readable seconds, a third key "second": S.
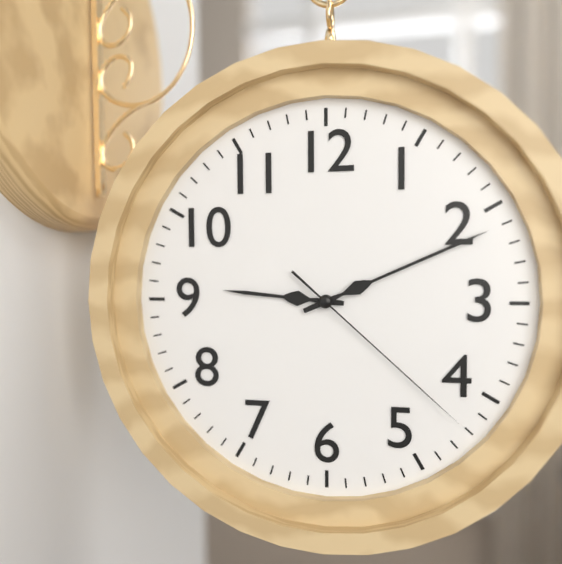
{"hour": 9, "minute": 11, "second": 22}
